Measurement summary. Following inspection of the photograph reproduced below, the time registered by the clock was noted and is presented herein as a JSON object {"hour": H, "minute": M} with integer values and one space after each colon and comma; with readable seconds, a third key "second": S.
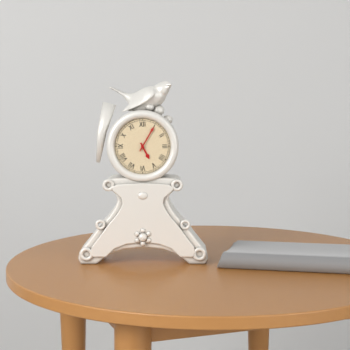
{"hour": 5, "minute": 5}
